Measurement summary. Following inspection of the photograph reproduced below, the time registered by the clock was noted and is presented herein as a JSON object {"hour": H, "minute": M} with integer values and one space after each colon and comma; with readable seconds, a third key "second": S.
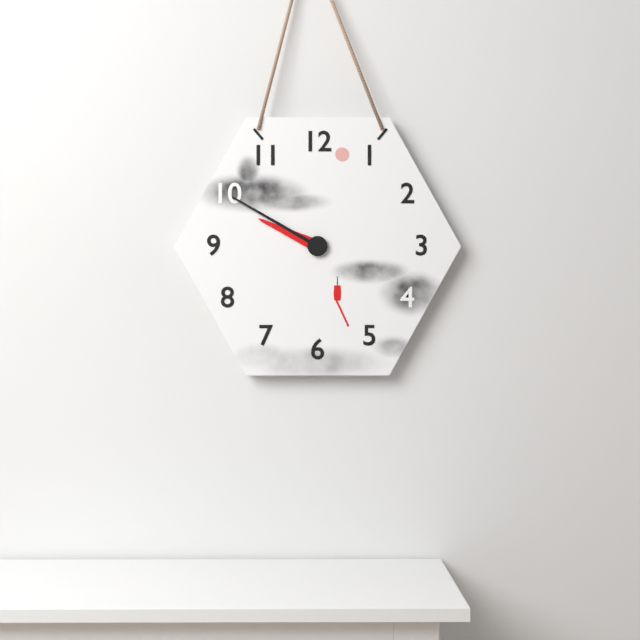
{"hour": 9, "minute": 50}
